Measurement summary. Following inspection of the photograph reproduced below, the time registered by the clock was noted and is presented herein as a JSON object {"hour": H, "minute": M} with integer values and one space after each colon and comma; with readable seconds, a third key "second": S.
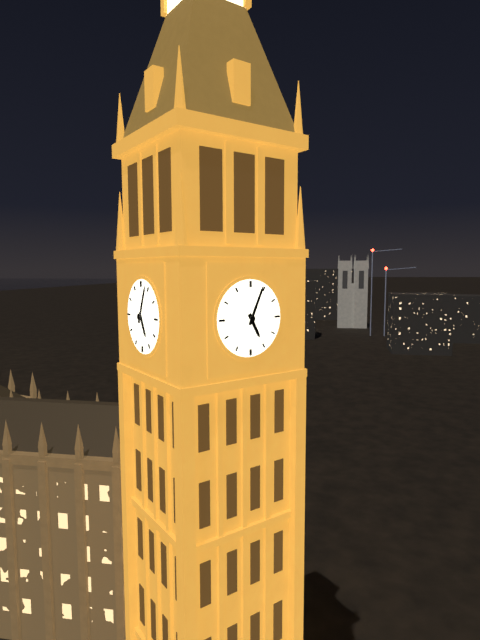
{"hour": 5, "minute": 4}
